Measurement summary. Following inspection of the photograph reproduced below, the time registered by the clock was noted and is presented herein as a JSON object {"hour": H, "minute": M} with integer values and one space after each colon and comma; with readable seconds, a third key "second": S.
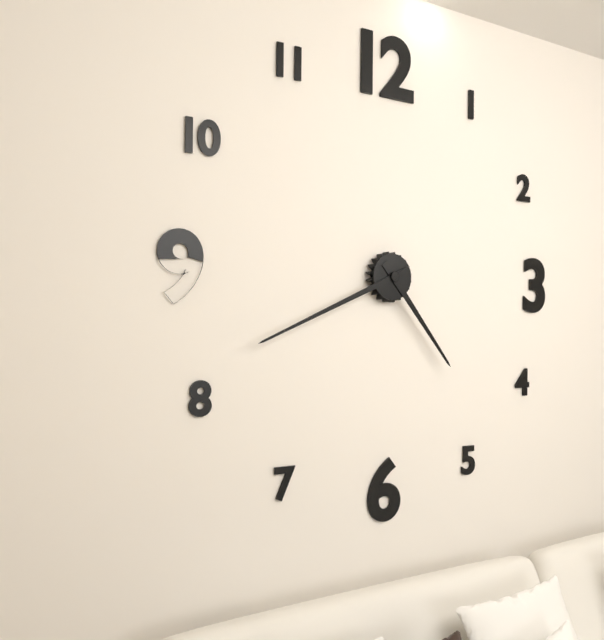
{"hour": 4, "minute": 41}
